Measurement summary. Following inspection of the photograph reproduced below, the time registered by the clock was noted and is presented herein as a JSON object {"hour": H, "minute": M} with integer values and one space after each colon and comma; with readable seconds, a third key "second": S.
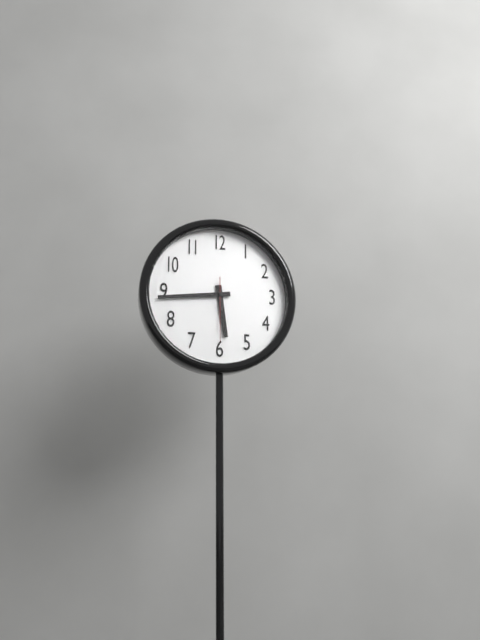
{"hour": 5, "minute": 44, "second": 30}
